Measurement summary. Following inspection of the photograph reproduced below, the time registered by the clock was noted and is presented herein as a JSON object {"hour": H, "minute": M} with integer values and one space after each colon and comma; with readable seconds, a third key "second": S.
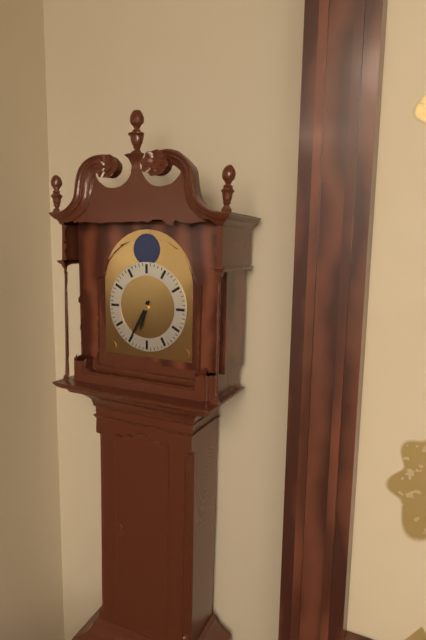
{"hour": 6, "minute": 35}
